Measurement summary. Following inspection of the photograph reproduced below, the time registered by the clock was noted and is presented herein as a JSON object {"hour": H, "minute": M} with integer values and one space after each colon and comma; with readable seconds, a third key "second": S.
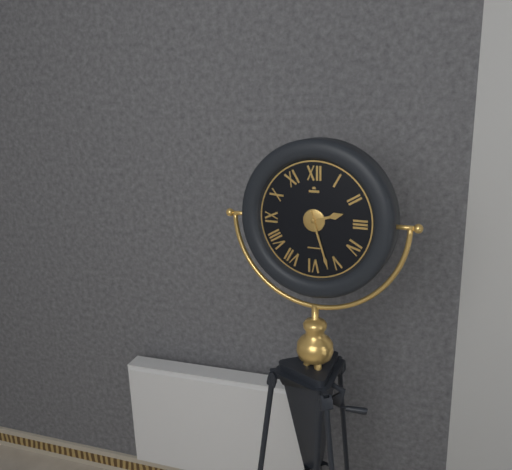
{"hour": 2, "minute": 27}
